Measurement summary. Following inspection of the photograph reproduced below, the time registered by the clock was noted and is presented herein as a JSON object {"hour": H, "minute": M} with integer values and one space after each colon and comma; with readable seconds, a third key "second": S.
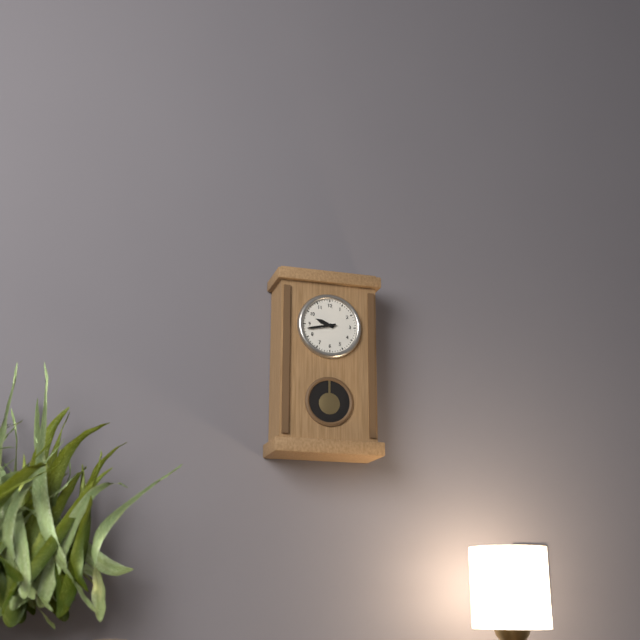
{"hour": 9, "minute": 43}
